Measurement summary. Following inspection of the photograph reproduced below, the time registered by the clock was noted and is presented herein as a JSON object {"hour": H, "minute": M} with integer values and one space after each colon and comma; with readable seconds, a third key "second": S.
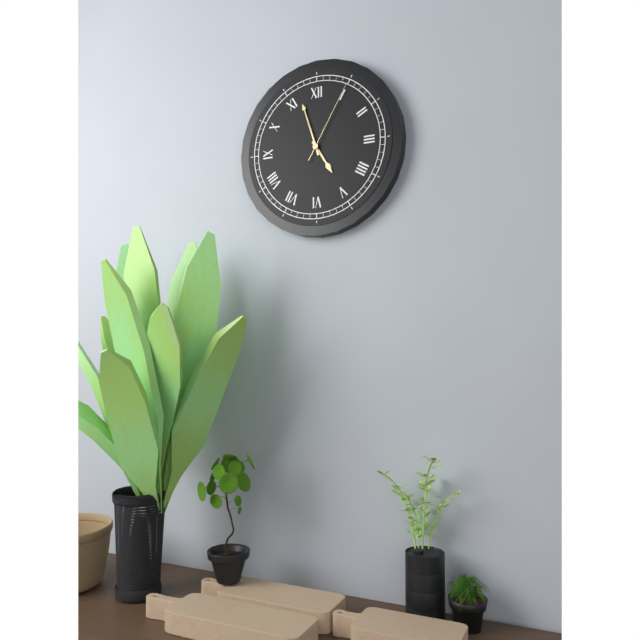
{"hour": 4, "minute": 57, "second": 5}
